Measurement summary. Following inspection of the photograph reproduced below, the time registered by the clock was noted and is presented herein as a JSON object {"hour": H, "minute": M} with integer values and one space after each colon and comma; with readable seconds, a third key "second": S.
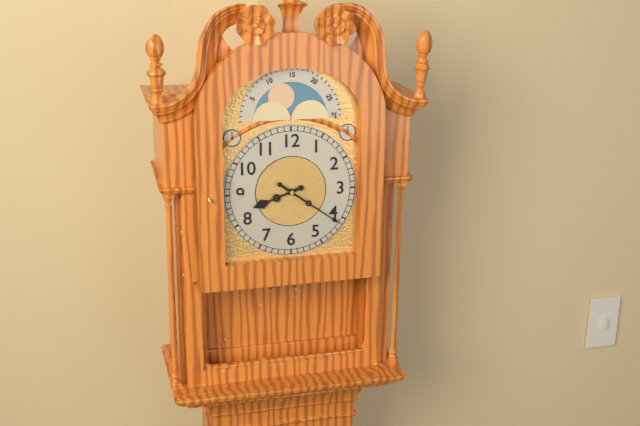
{"hour": 8, "minute": 21}
